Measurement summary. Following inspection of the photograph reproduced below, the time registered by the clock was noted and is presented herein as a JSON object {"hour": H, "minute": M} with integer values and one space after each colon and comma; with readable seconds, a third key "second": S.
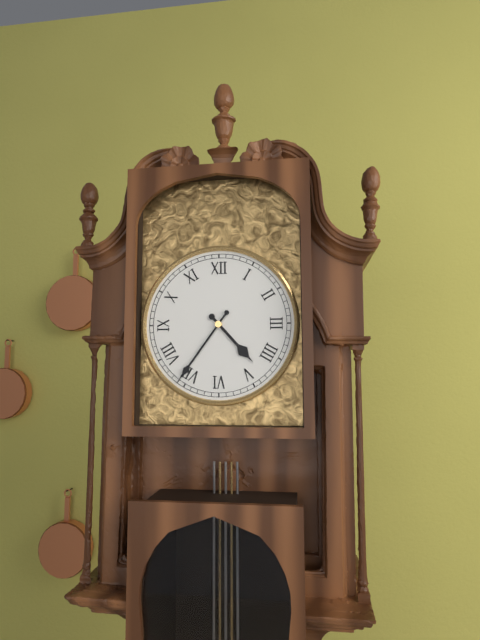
{"hour": 4, "minute": 36}
